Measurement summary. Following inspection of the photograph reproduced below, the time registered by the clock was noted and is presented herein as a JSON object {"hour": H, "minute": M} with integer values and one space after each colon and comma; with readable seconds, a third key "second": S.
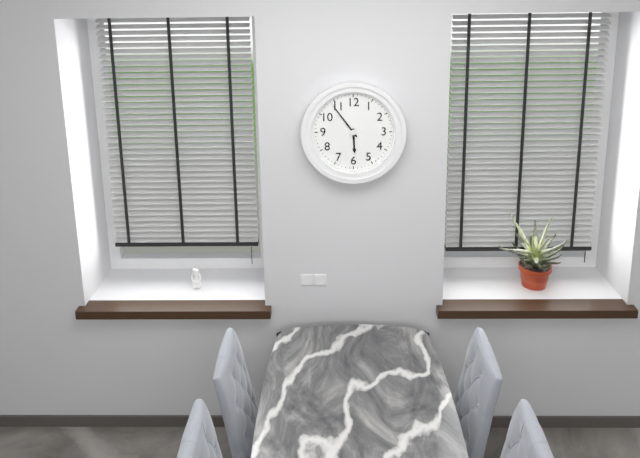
{"hour": 5, "minute": 54}
